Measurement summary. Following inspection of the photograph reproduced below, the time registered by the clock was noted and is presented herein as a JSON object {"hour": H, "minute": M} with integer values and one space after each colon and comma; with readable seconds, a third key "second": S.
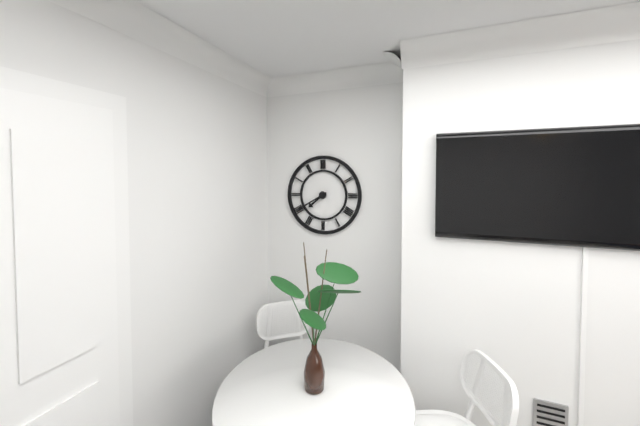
{"hour": 7, "minute": 40}
